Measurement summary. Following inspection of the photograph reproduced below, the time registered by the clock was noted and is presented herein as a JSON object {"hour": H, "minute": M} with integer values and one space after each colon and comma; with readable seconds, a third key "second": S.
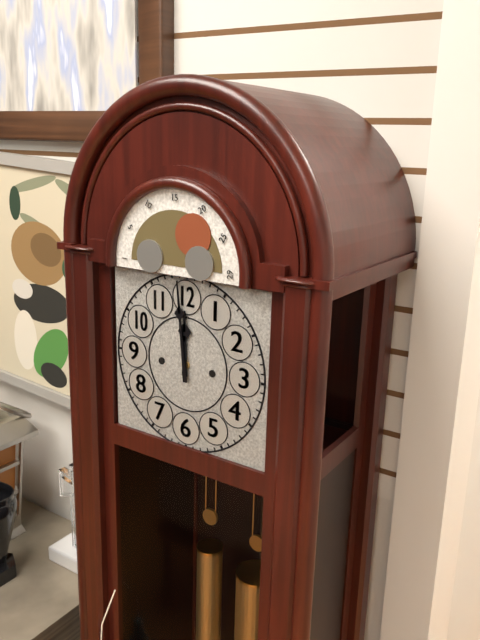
{"hour": 11, "minute": 59}
